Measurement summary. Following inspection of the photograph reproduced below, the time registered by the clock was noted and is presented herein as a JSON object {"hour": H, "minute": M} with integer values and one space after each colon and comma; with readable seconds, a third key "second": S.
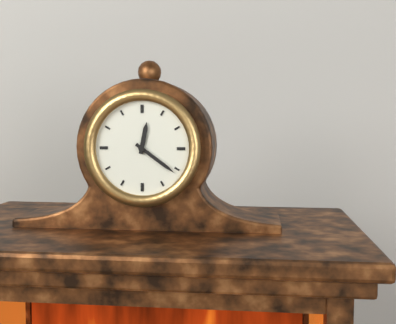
{"hour": 12, "minute": 21}
